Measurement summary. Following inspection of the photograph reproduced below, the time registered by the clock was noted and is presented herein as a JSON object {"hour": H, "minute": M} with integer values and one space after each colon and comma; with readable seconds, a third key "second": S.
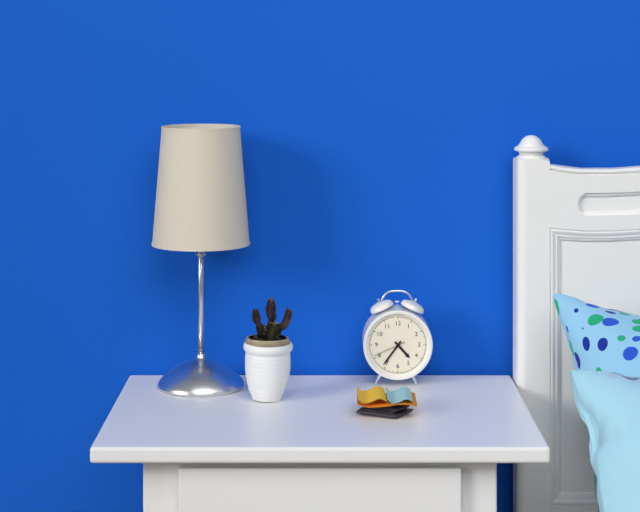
{"hour": 4, "minute": 36}
